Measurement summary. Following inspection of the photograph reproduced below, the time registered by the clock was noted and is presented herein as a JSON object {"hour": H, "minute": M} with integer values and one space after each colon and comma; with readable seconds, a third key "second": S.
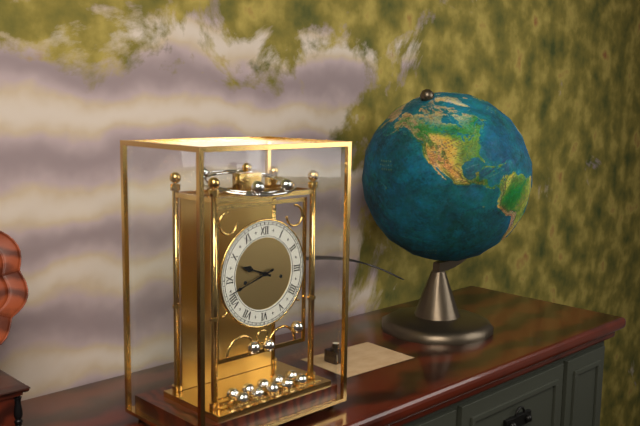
{"hour": 9, "minute": 42}
